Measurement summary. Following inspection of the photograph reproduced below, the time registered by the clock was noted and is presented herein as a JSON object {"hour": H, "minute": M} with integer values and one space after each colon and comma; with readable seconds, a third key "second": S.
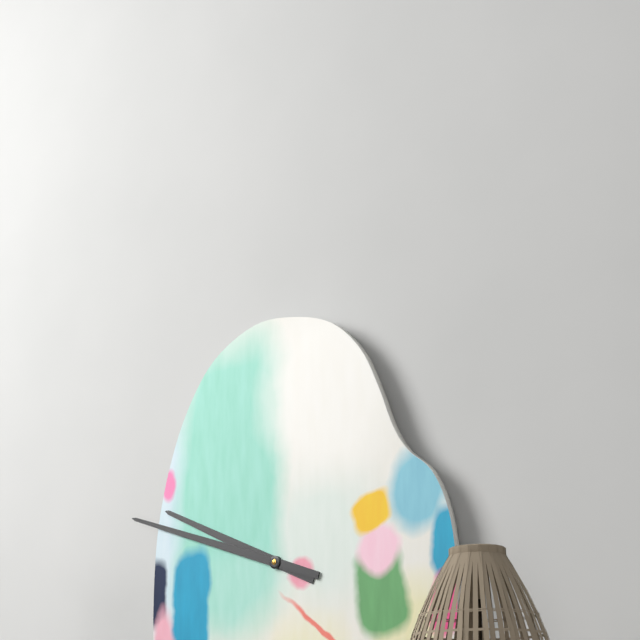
{"hour": 9, "minute": 48}
